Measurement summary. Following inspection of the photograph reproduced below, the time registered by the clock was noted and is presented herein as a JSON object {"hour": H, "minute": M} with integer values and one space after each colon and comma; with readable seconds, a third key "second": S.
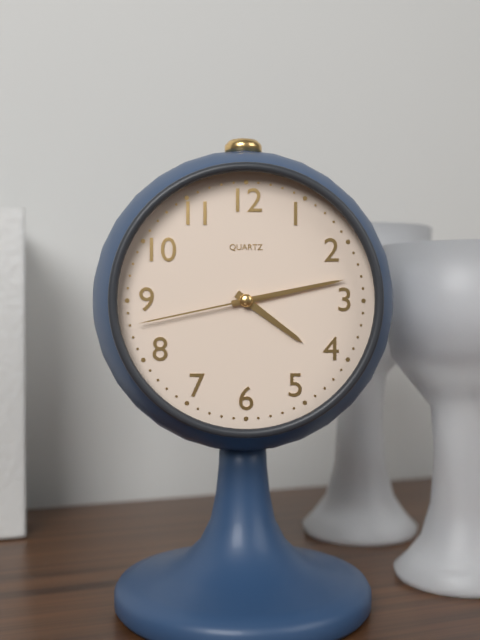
{"hour": 4, "minute": 13, "second": 43}
